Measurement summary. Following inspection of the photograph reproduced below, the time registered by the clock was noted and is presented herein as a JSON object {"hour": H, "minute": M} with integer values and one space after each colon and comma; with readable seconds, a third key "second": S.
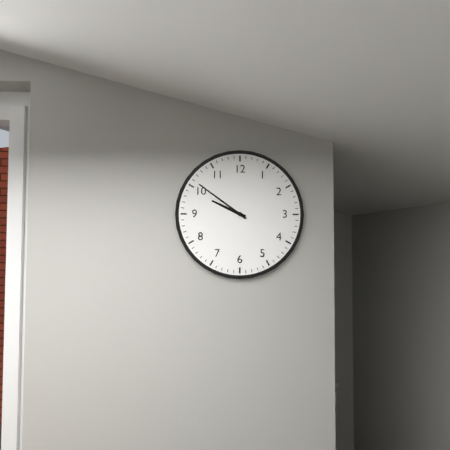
{"hour": 9, "minute": 51}
